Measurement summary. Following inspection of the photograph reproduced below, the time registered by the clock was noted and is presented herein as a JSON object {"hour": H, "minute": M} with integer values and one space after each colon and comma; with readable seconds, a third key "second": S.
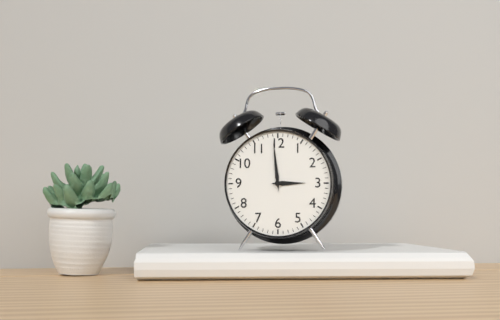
{"hour": 2, "minute": 59}
